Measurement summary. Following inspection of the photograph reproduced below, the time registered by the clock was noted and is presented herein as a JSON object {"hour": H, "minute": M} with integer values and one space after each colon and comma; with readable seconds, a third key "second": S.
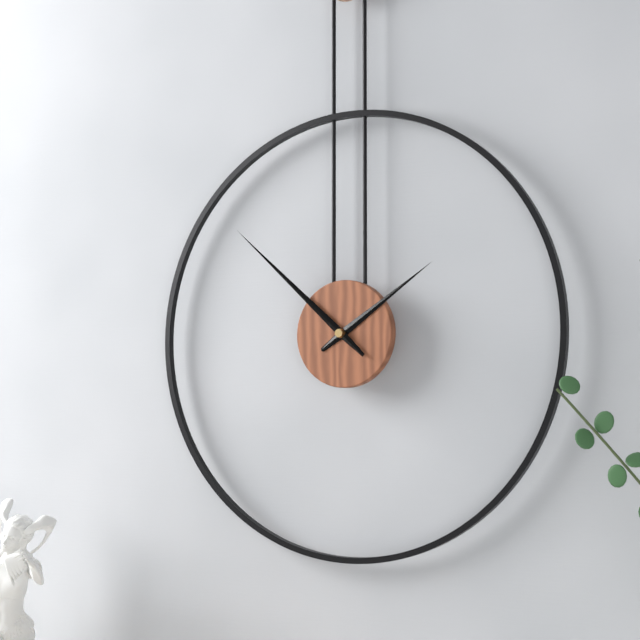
{"hour": 1, "minute": 52}
